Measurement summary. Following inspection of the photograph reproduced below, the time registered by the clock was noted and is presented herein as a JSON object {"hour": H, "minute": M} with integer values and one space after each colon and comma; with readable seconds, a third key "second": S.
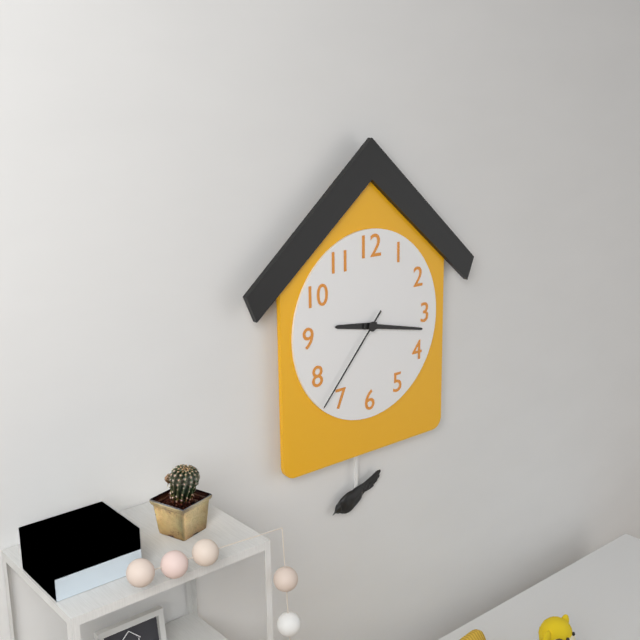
{"hour": 9, "minute": 17, "second": 37}
